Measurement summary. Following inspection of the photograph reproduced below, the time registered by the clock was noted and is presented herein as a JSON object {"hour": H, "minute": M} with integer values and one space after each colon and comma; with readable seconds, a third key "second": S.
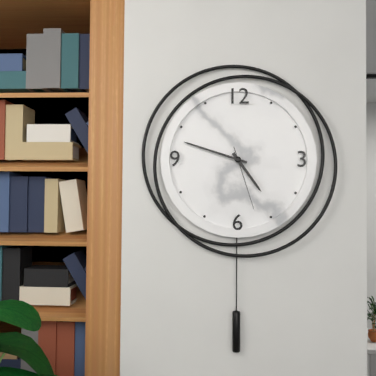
{"hour": 4, "minute": 48, "second": 27}
